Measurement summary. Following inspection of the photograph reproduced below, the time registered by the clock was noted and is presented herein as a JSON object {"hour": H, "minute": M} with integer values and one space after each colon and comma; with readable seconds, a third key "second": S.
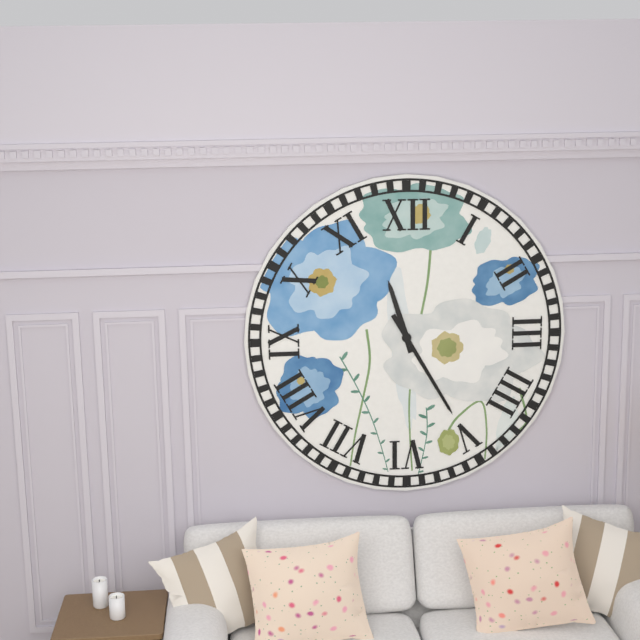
{"hour": 11, "minute": 25}
